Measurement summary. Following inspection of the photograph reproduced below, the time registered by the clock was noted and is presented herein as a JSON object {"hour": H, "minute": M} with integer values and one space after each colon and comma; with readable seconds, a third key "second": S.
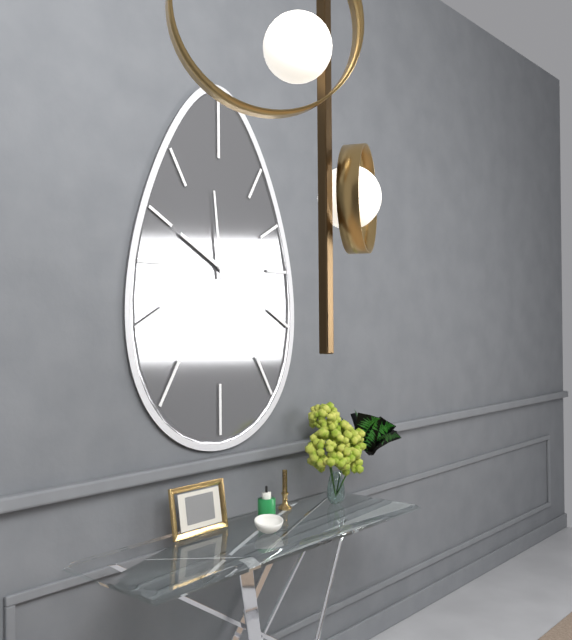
{"hour": 9, "minute": 59}
